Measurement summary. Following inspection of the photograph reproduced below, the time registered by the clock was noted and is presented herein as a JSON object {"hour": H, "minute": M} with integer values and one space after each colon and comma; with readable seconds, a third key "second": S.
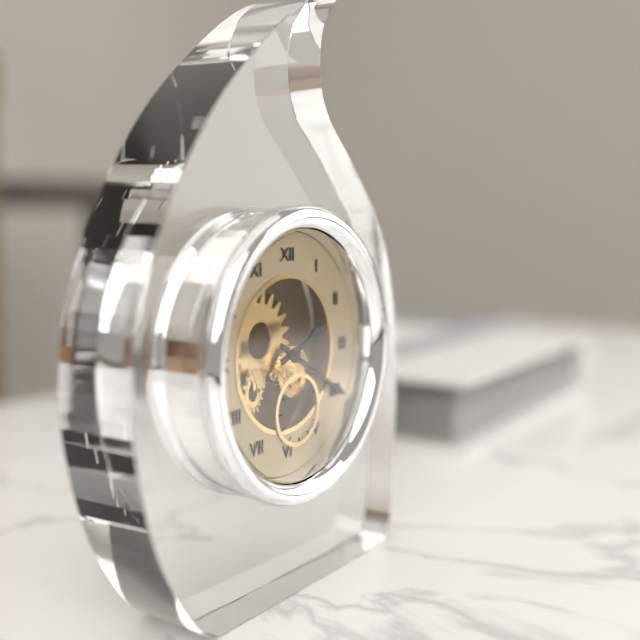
{"hour": 2, "minute": 20}
